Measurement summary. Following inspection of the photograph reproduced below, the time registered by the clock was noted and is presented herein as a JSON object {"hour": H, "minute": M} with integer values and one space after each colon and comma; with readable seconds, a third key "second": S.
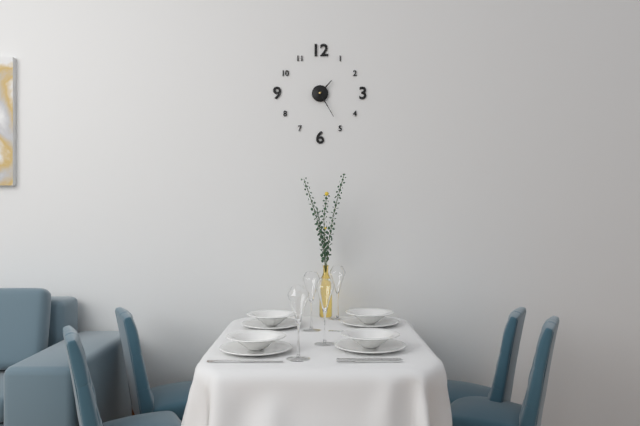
{"hour": 1, "minute": 25}
